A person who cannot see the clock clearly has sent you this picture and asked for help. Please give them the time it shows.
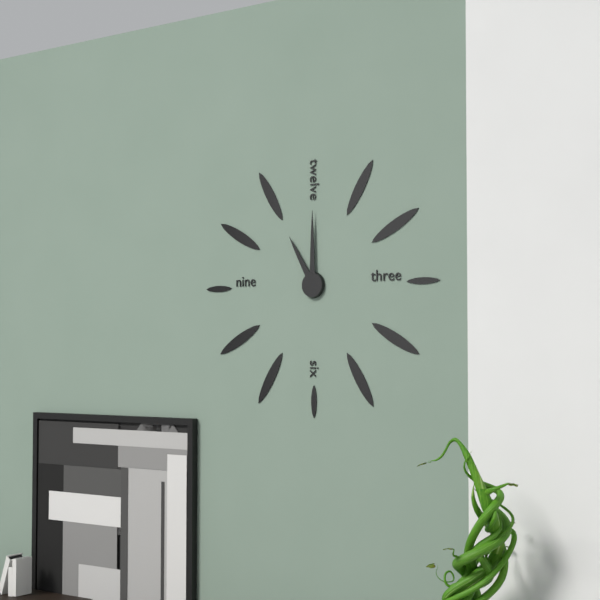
11:00
